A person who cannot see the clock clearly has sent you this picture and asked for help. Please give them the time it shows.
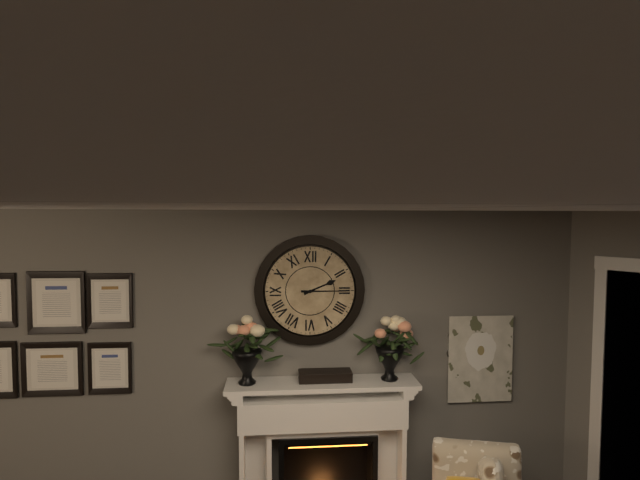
2:15
